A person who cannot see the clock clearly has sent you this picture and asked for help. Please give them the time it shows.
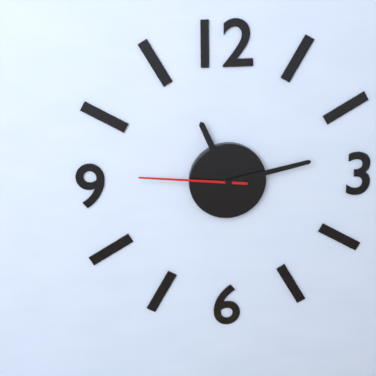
11:13:46
